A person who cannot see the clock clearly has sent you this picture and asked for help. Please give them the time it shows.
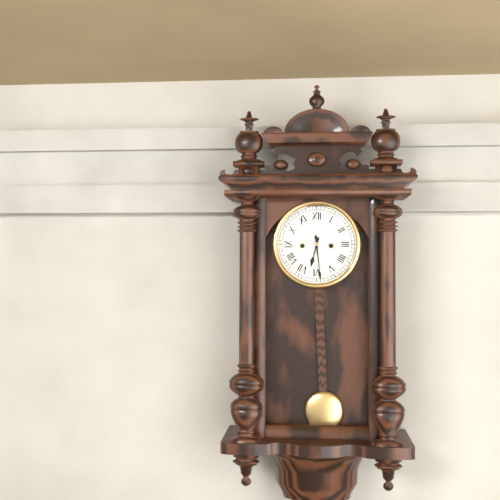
6:29
